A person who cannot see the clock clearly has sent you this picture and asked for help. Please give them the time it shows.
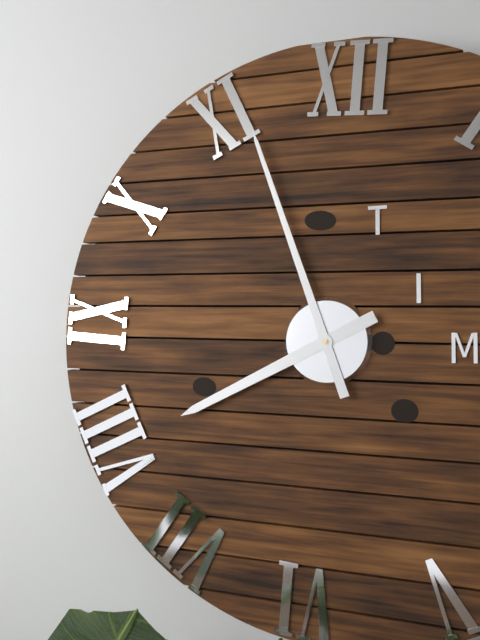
7:56
